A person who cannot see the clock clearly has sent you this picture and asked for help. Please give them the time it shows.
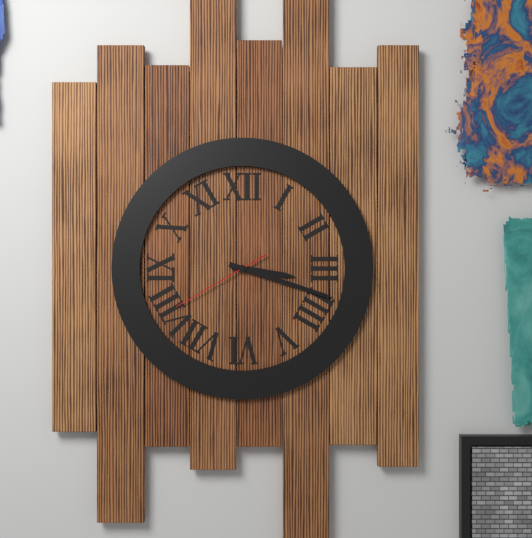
3:18:40
